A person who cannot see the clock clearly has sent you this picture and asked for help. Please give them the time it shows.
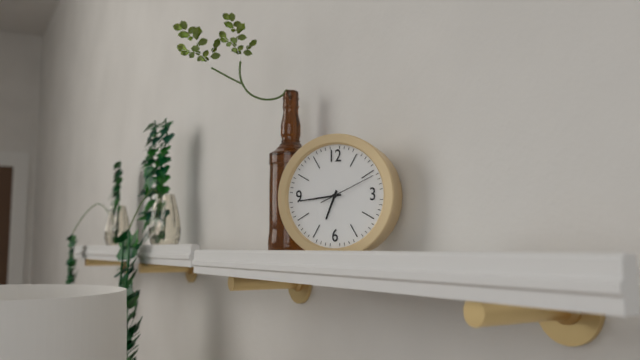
6:44:11
